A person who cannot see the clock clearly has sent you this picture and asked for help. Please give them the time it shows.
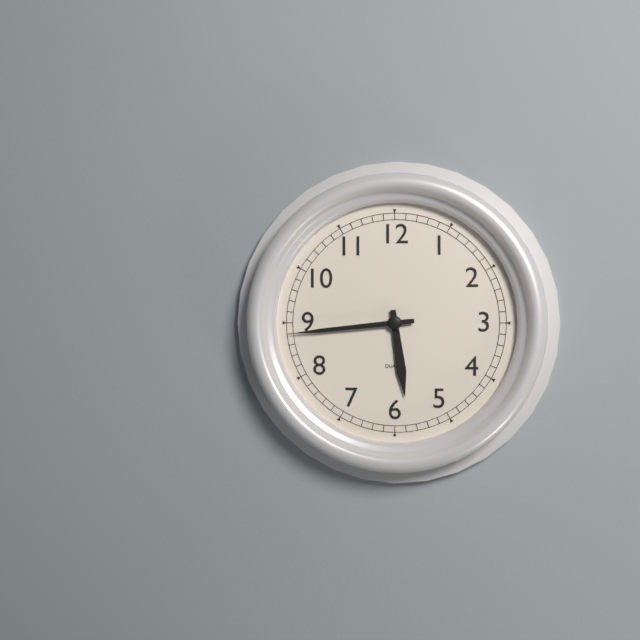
5:44
